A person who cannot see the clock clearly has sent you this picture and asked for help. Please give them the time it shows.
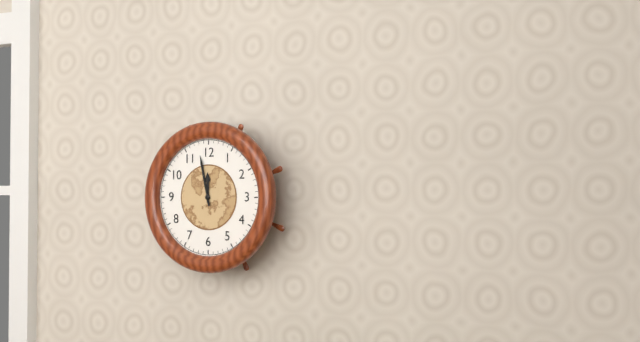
11:58
